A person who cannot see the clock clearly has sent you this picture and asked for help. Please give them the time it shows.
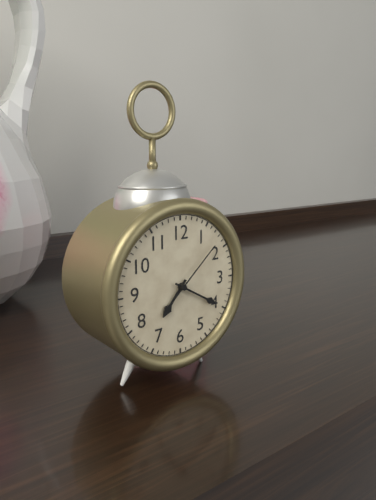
7:20:08
